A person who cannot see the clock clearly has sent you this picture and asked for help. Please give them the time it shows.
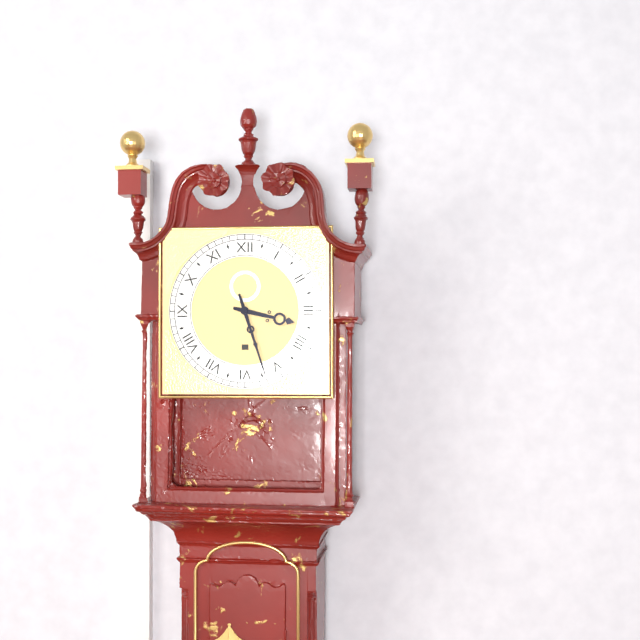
3:27
